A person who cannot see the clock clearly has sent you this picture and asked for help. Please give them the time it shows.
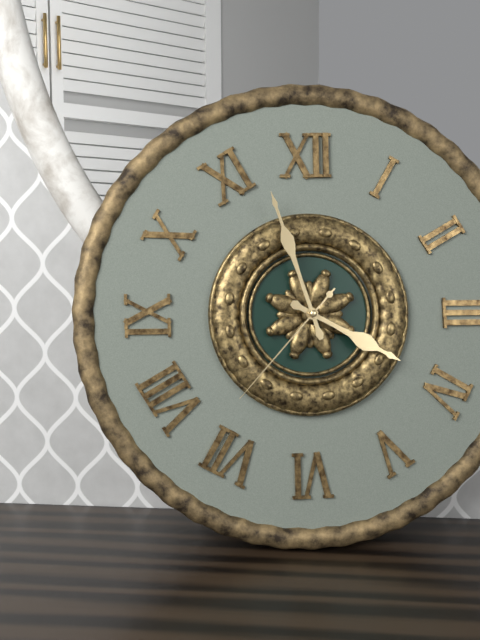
3:57:37
